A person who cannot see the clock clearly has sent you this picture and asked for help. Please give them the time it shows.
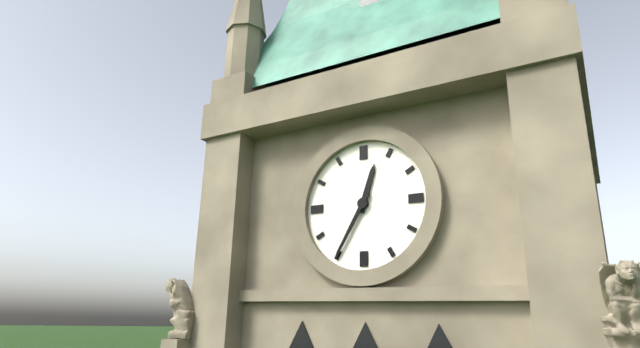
12:35
